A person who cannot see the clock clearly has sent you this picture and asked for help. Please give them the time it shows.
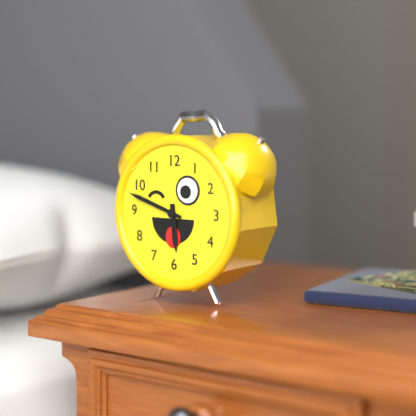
5:48
